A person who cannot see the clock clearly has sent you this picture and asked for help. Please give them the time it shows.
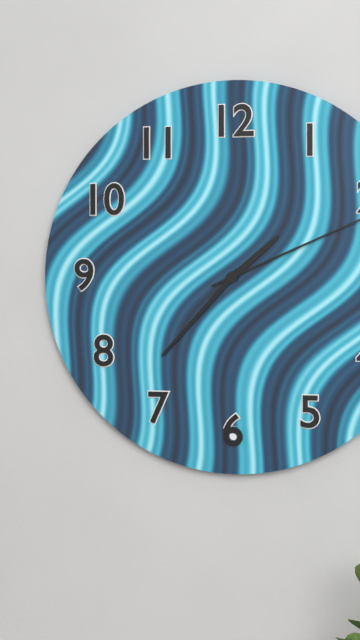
1:37
